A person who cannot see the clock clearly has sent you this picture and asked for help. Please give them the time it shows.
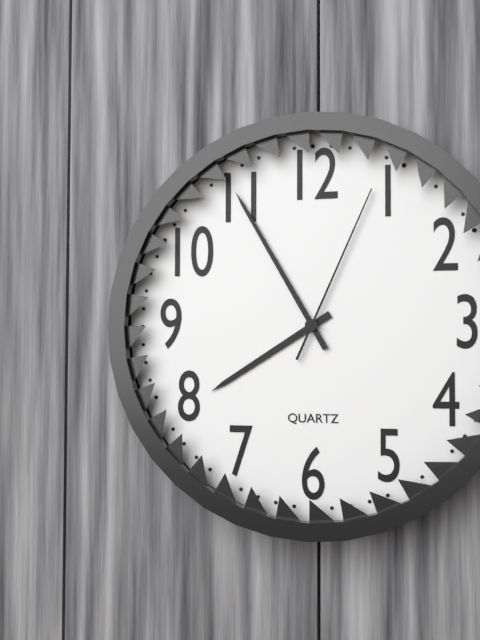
7:55:04
